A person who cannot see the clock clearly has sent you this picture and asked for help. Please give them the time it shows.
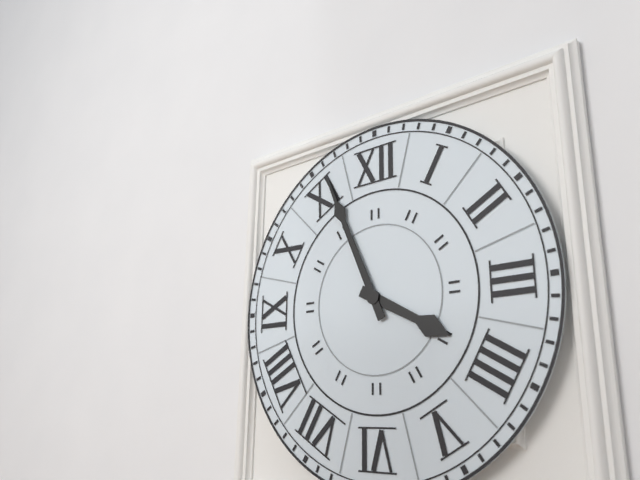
3:56
